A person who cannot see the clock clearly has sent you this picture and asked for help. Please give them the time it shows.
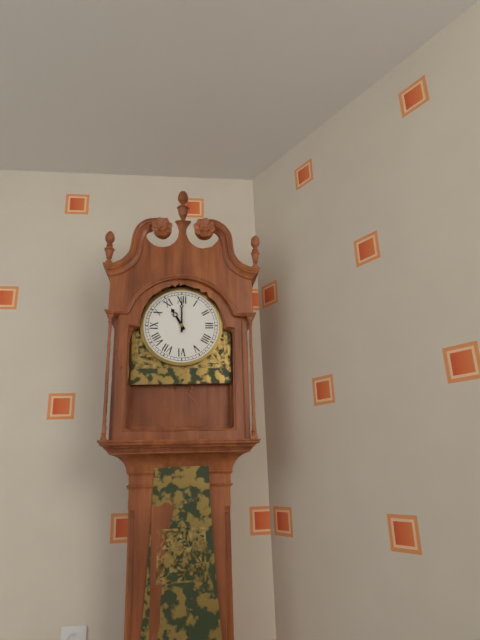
11:00
